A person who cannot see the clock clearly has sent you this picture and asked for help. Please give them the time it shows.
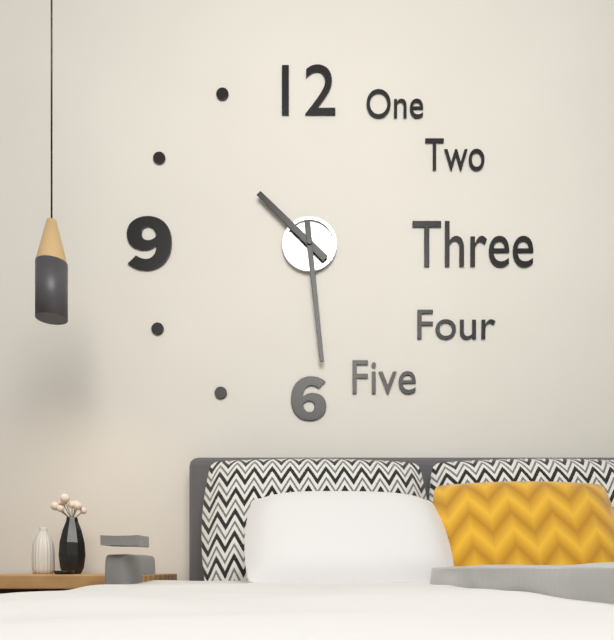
10:29
